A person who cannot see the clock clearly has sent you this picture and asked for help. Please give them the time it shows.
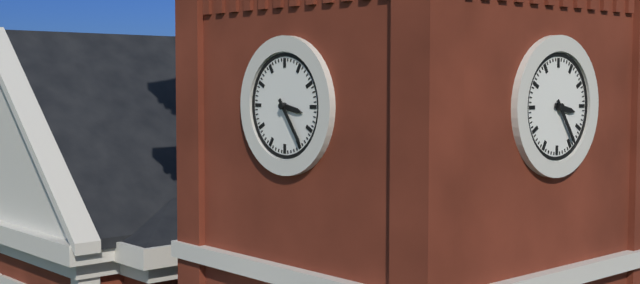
3:24
